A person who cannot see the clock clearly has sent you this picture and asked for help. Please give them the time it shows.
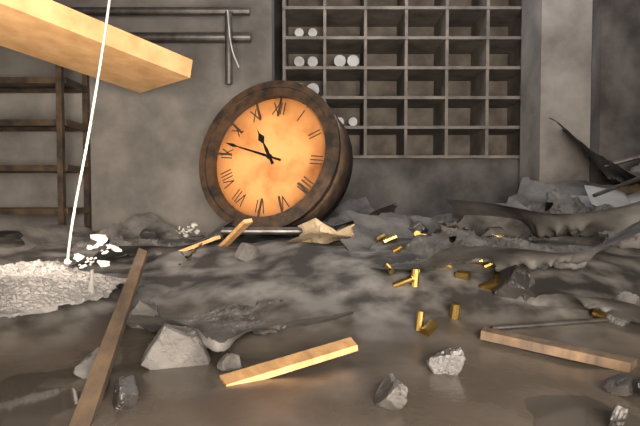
10:47
